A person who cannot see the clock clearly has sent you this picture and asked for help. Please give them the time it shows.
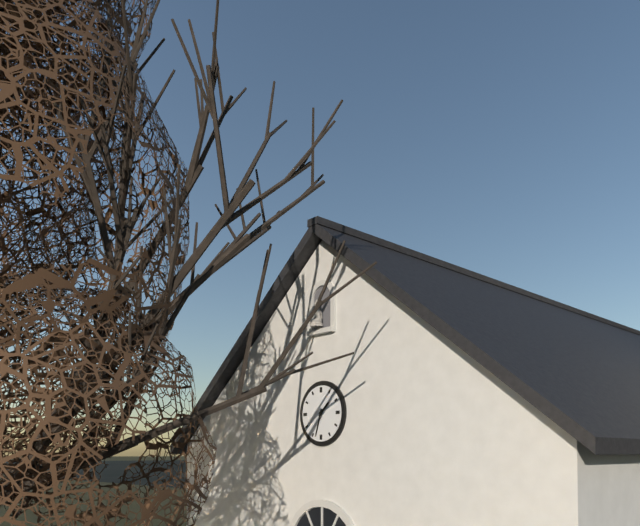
1:33
